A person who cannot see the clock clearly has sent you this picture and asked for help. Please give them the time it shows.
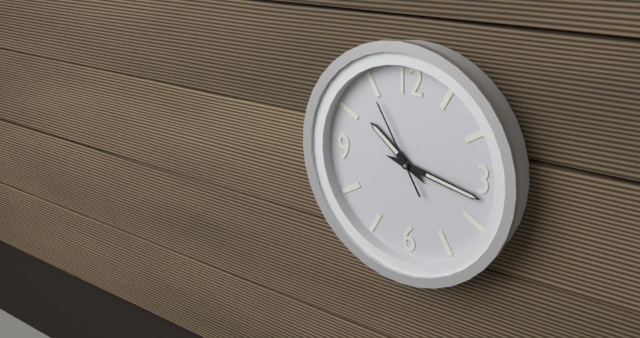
10:17:55
